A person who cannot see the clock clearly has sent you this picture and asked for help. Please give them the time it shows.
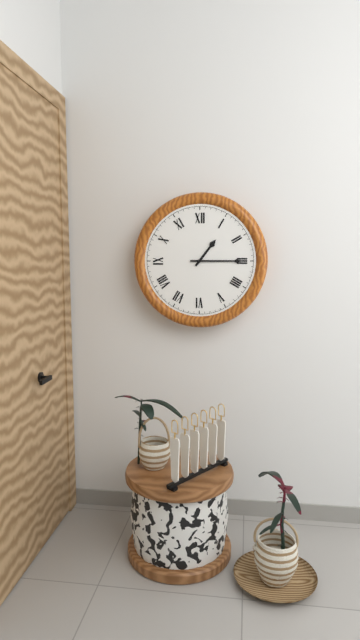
1:15
